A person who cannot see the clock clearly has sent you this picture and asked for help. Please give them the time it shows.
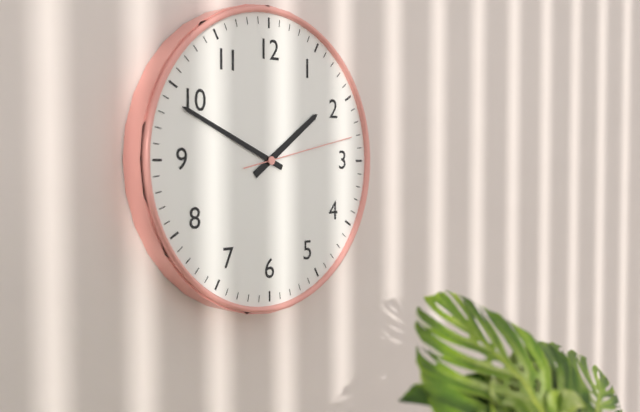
1:49:13
